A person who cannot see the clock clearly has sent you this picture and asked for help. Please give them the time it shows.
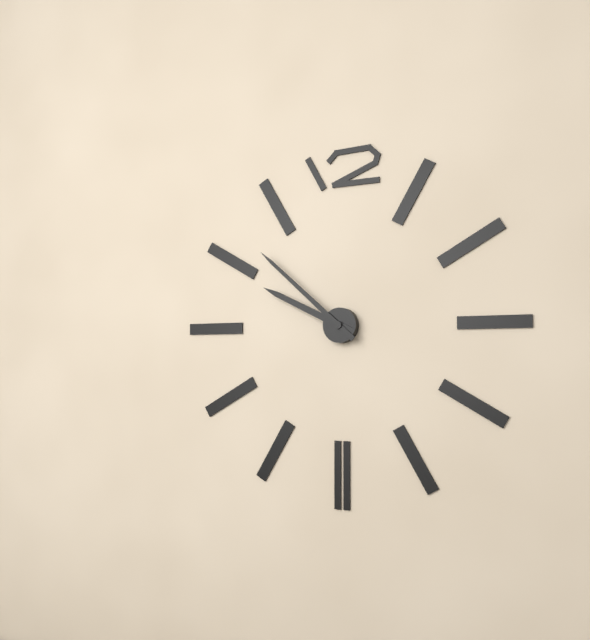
9:52
